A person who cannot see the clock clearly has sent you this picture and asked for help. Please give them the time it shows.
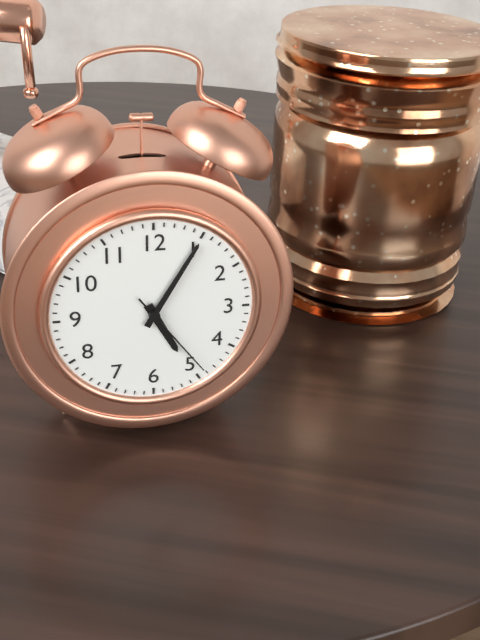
5:05:24
